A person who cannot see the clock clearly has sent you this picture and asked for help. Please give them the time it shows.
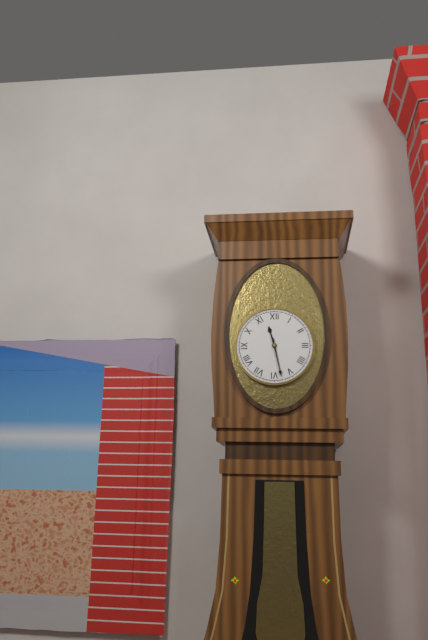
11:28
